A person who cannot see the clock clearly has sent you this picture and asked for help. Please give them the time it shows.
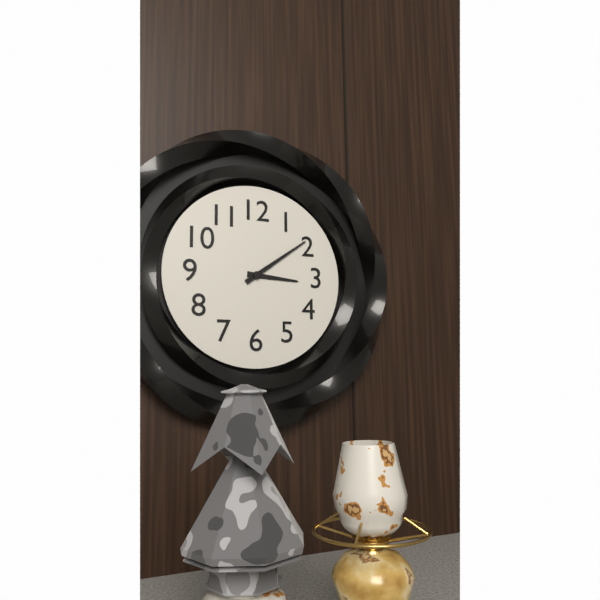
3:09
